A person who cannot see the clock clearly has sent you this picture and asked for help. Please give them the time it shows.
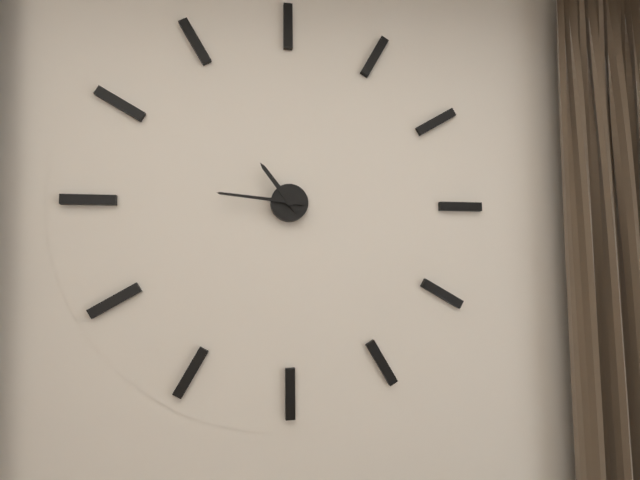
10:46
